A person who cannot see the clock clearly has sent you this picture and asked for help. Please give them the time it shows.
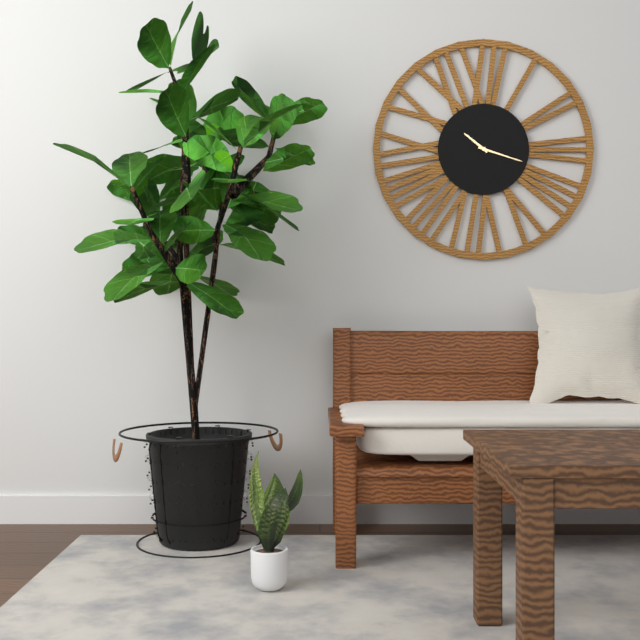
10:18
